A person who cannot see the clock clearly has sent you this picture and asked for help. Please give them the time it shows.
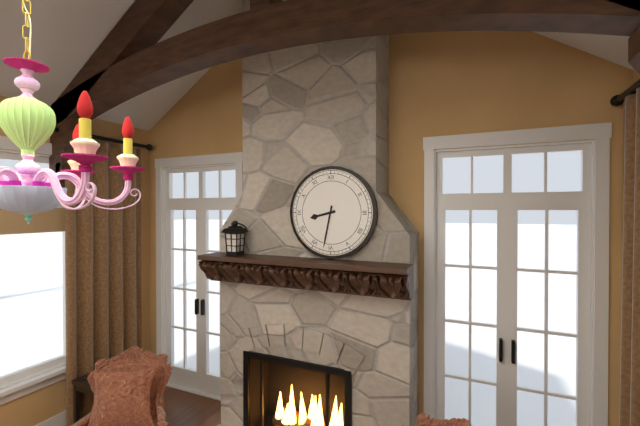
8:32
